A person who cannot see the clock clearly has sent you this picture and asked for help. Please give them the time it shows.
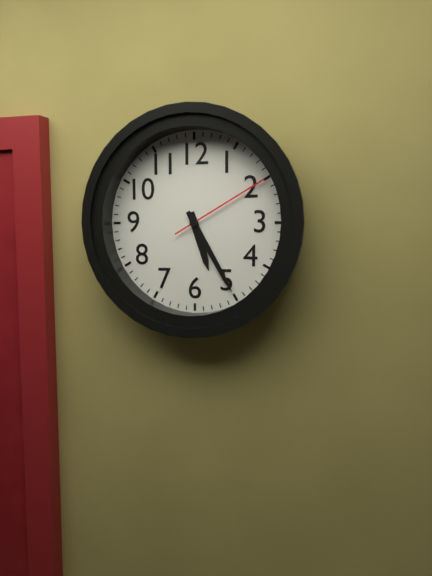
5:25:10
